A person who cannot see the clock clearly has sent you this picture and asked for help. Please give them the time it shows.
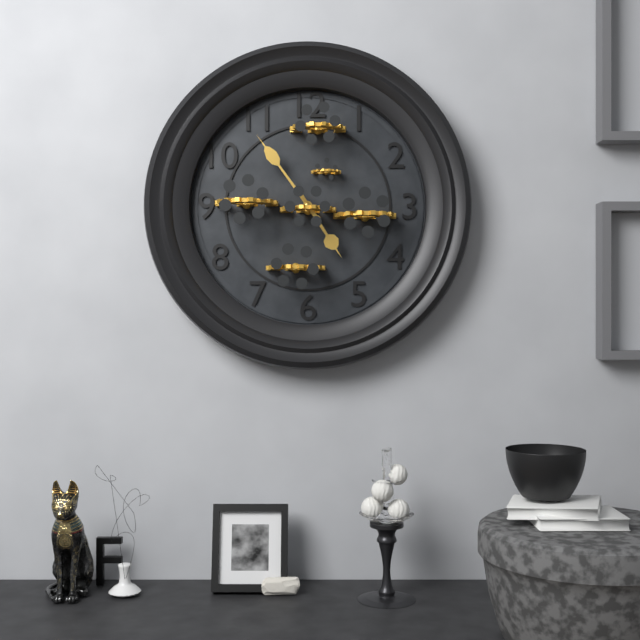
4:54
